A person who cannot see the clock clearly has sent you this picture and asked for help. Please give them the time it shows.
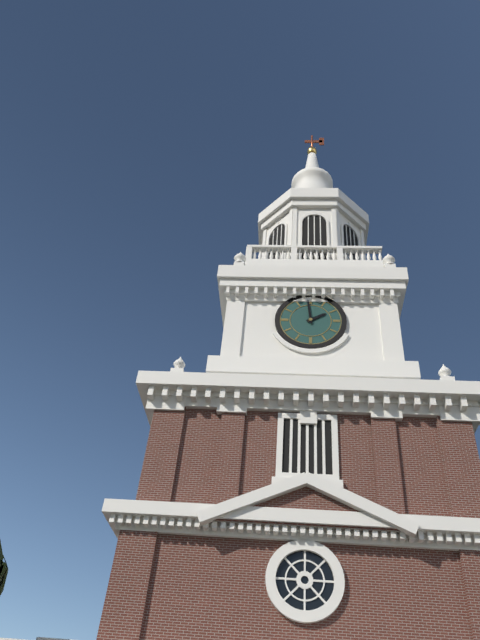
1:59
